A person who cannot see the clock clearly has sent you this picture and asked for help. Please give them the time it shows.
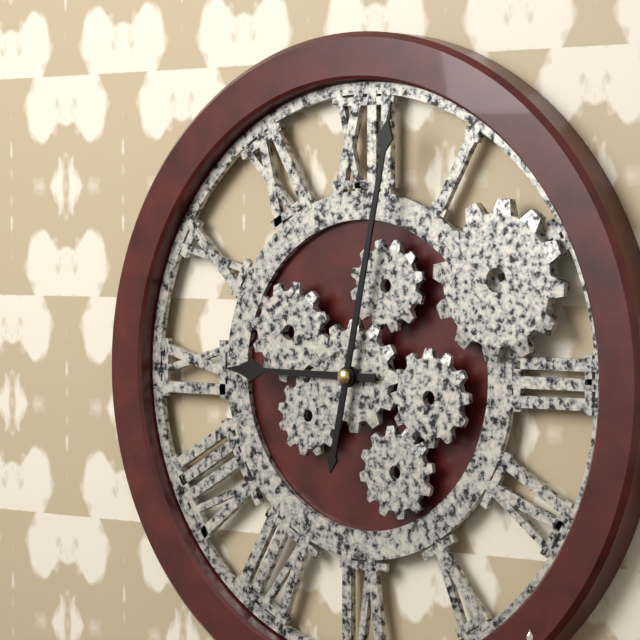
9:02
